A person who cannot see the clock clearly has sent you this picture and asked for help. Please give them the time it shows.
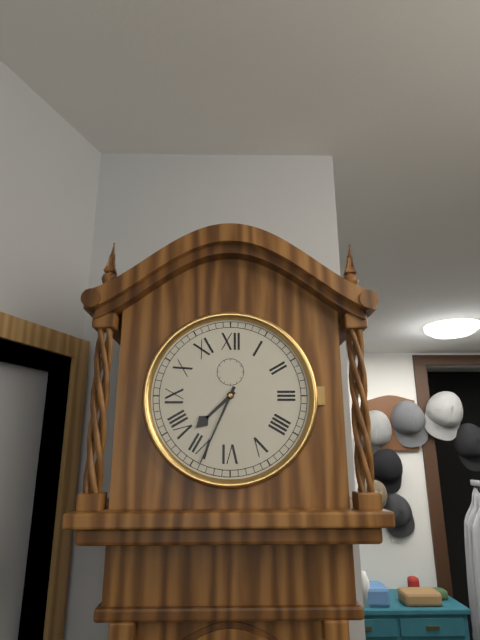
7:34
